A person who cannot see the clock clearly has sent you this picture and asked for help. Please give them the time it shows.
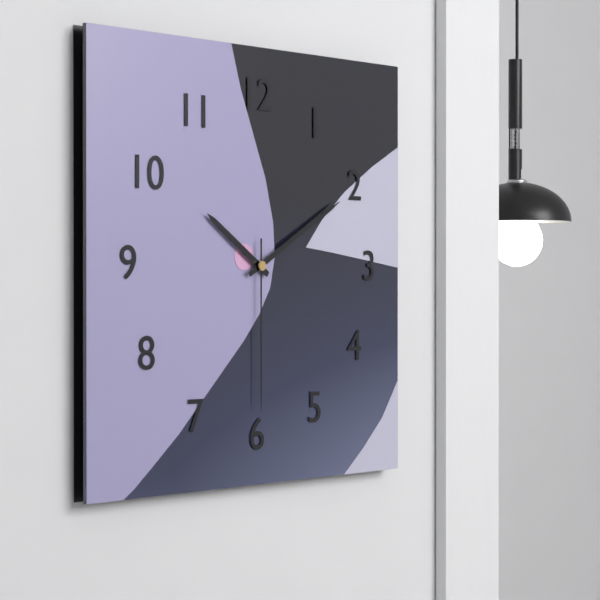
10:10:30
